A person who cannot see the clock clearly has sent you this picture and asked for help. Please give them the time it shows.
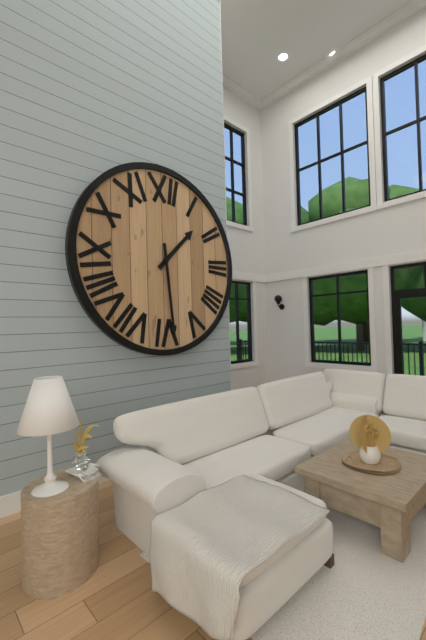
1:29
